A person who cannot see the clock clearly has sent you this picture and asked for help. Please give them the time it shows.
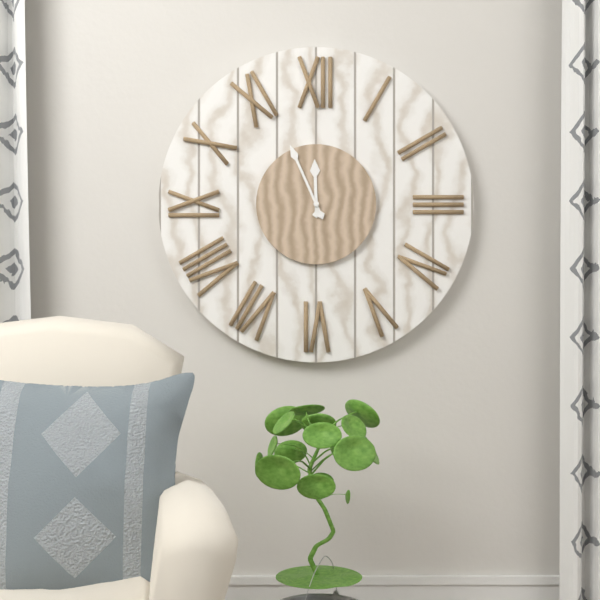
11:56
